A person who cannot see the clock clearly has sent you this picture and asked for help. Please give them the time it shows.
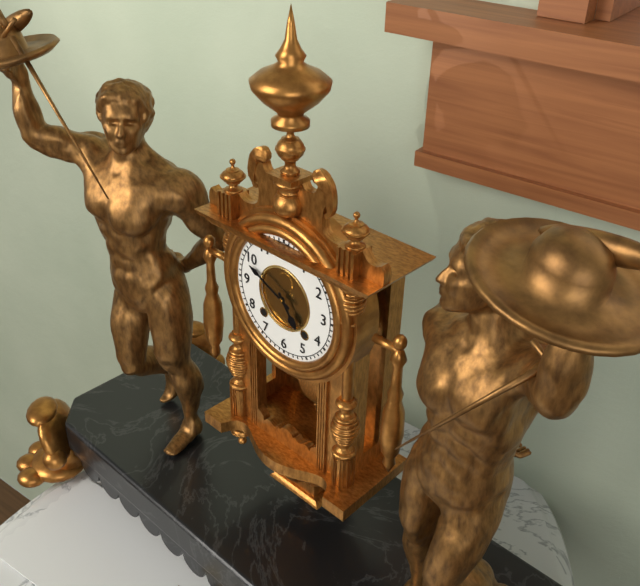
4:49
